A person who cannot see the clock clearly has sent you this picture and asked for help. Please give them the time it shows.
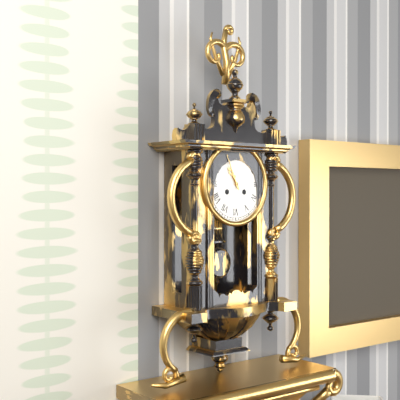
10:56
